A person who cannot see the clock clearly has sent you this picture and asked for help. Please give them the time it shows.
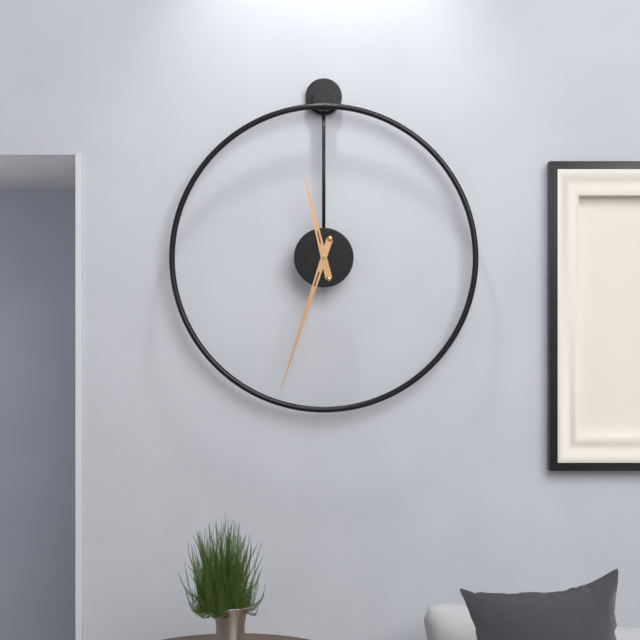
11:33
